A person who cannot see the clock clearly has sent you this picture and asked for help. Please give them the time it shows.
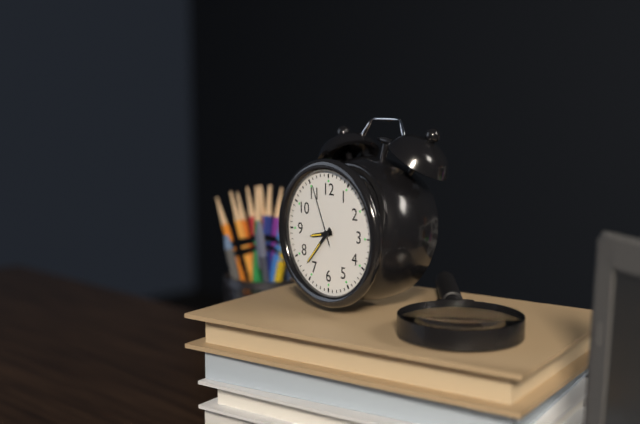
8:37:56
